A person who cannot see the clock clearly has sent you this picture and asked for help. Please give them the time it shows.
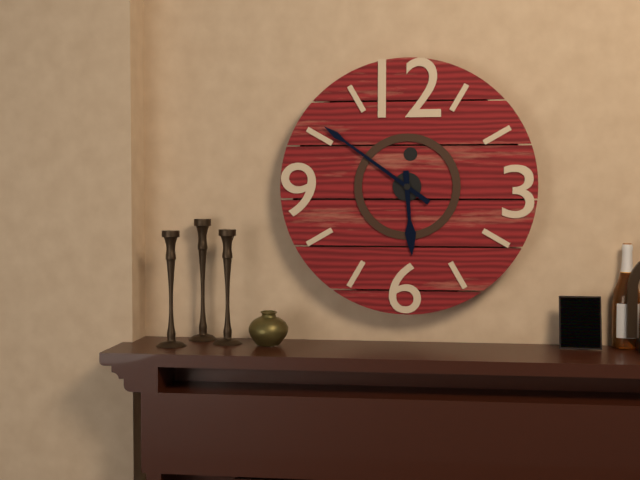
5:51
